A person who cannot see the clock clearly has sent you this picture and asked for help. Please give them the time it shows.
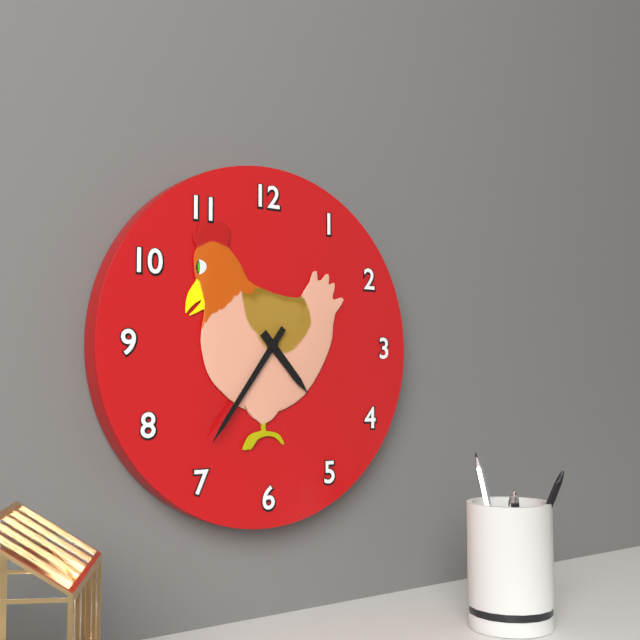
4:36
